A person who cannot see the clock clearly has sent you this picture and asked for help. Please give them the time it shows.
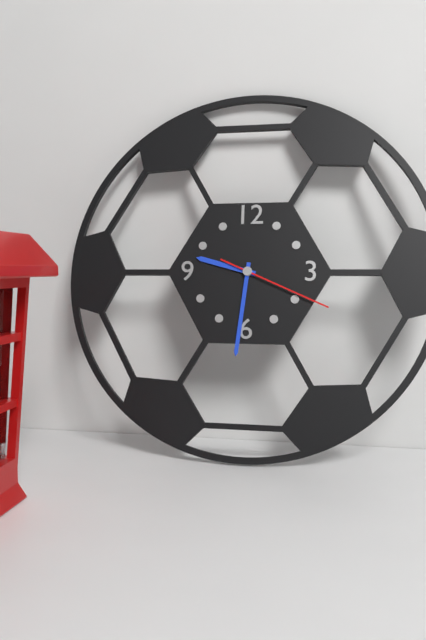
9:31:19
